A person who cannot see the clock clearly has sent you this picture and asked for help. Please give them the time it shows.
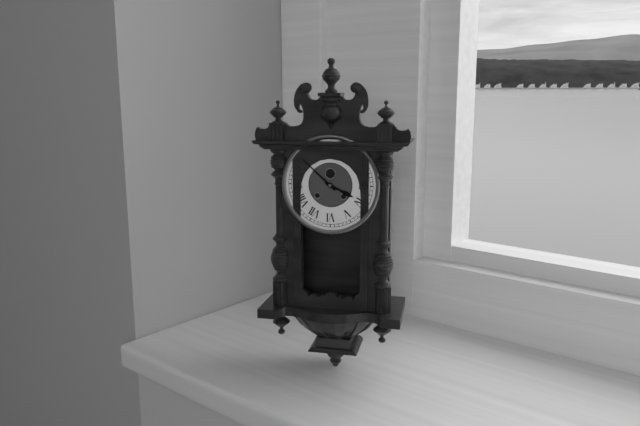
3:52
